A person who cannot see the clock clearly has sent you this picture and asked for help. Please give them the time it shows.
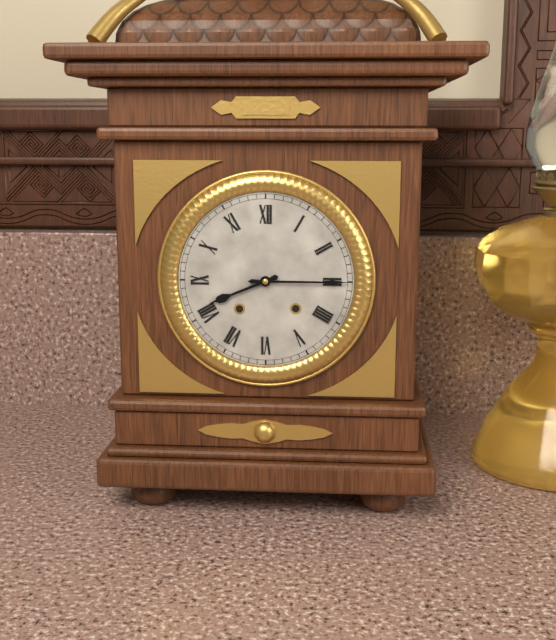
8:15
